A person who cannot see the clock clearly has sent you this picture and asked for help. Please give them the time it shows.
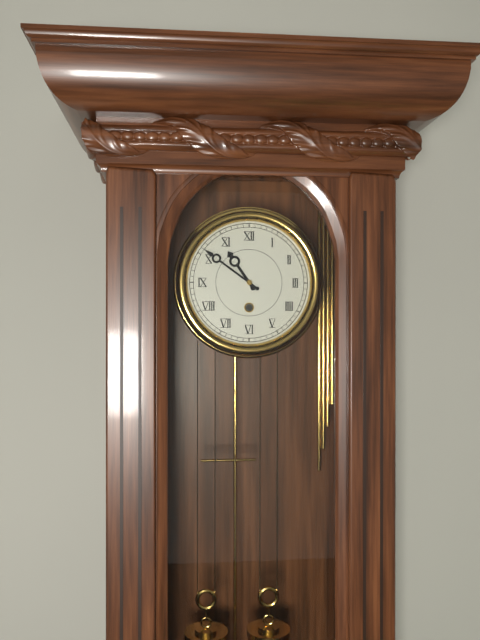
10:51
